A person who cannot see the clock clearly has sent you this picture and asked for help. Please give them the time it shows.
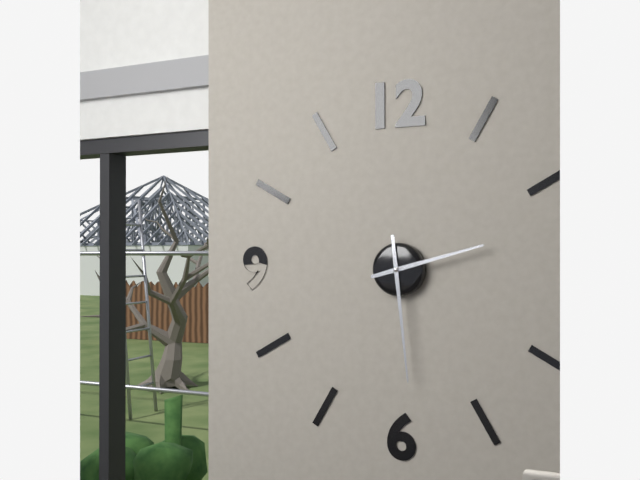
2:29
